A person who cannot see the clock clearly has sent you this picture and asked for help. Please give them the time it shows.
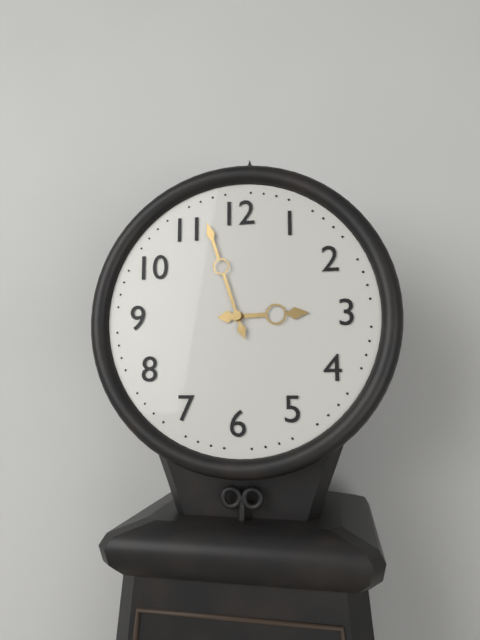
2:57
